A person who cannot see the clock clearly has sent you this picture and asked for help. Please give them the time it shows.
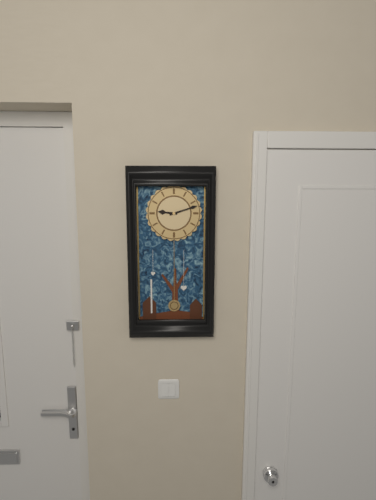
9:12
